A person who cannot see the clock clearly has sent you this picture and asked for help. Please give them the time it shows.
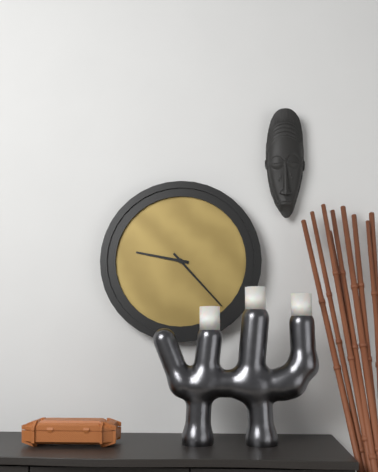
9:23
